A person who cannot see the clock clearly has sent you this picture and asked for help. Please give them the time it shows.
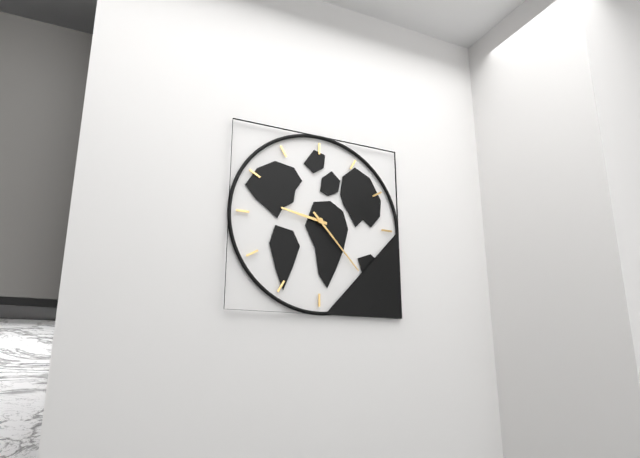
9:23
